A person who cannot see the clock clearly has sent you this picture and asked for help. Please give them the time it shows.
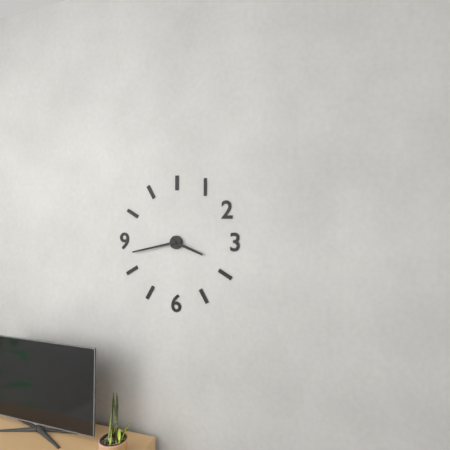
3:43
